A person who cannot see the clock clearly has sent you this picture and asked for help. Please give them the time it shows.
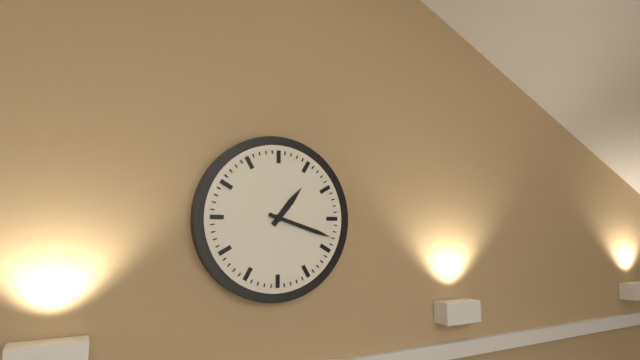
1:18
